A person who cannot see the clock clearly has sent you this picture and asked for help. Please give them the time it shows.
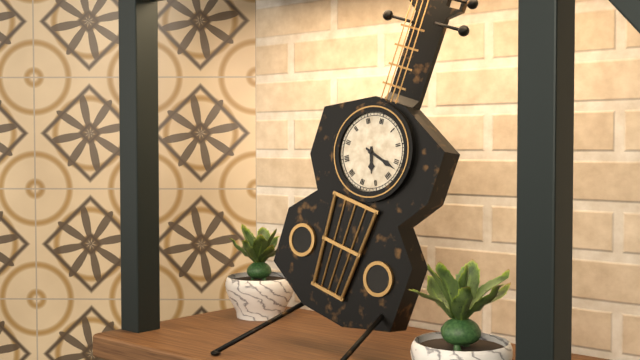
5:17
